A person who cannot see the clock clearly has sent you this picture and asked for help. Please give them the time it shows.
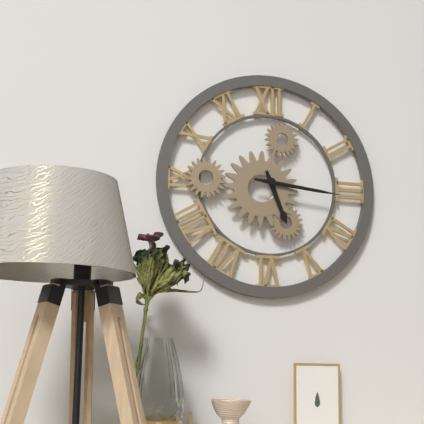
5:16
